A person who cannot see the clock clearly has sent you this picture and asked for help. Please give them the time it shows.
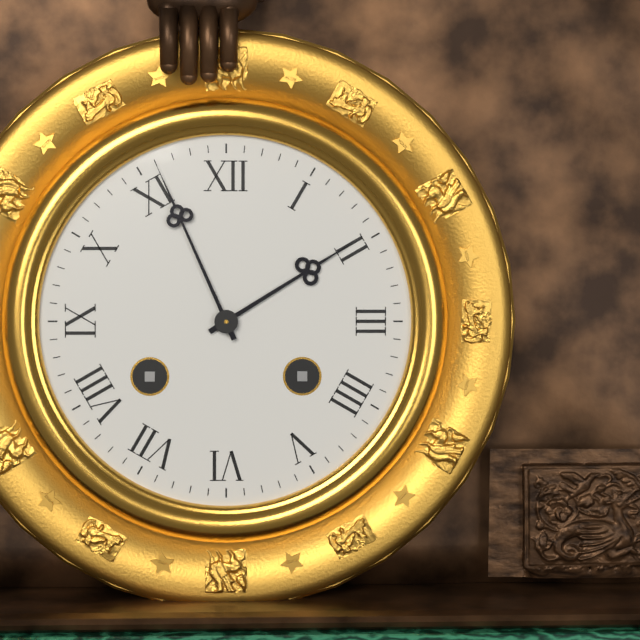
1:56
